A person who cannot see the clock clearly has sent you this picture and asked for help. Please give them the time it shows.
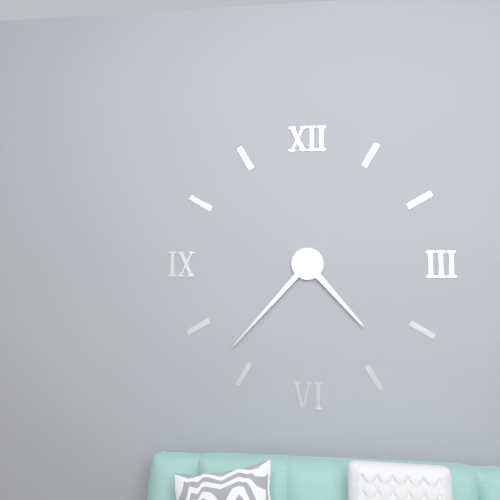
4:37
